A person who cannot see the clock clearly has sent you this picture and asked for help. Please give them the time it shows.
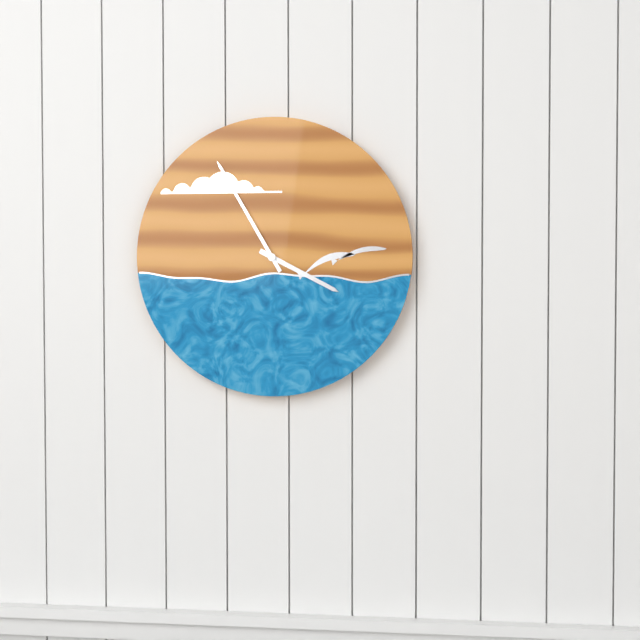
3:55
